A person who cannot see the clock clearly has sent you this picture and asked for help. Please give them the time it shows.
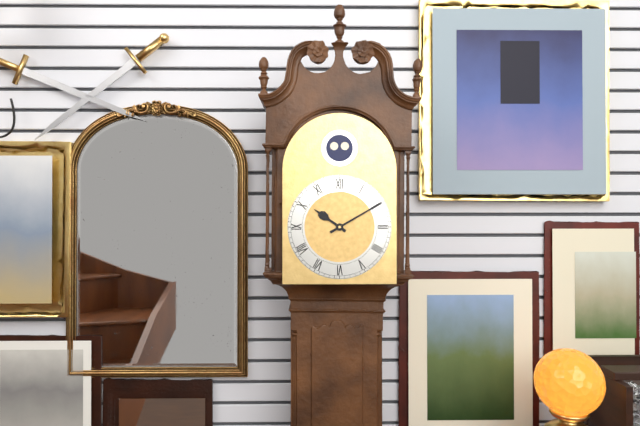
10:10
